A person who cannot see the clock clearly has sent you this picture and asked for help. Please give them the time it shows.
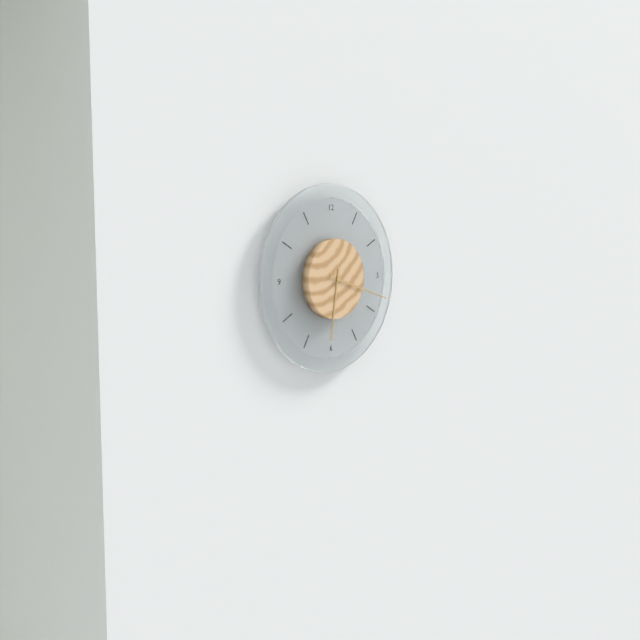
6:18
